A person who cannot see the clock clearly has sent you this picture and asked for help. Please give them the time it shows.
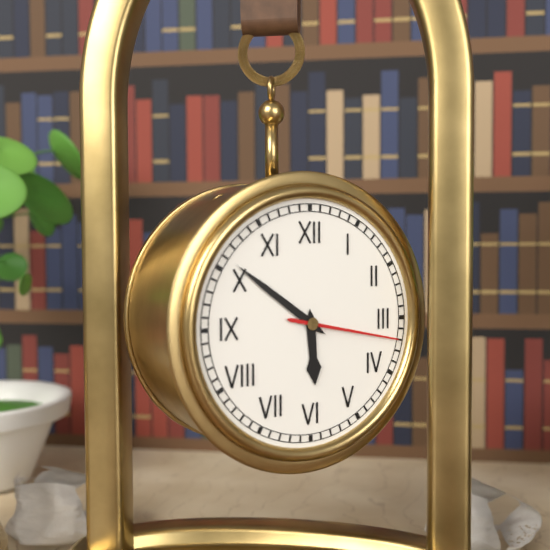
5:51:17
